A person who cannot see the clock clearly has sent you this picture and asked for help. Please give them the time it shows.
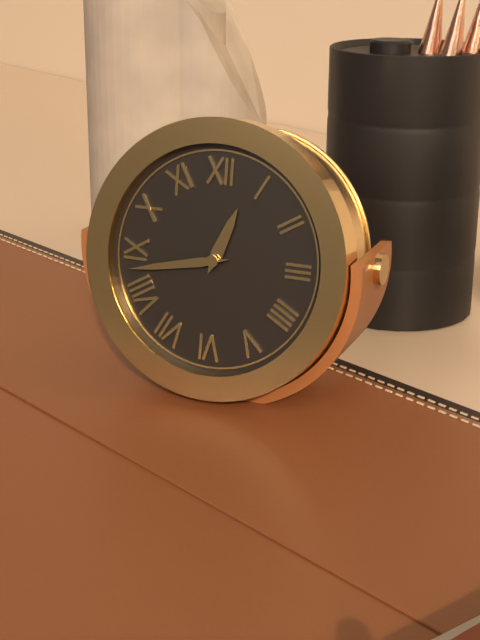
12:43
